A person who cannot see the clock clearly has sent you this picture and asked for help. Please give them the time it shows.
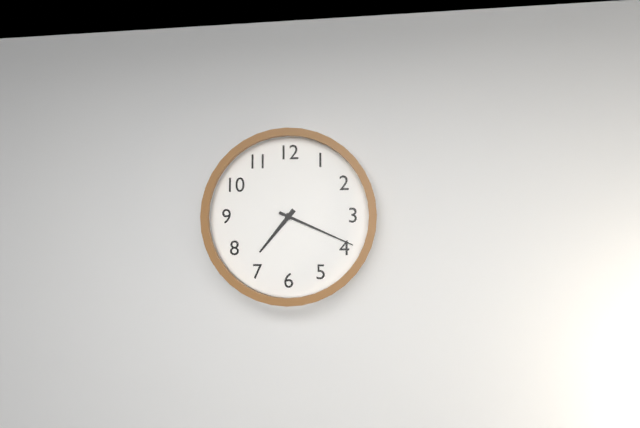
7:19
